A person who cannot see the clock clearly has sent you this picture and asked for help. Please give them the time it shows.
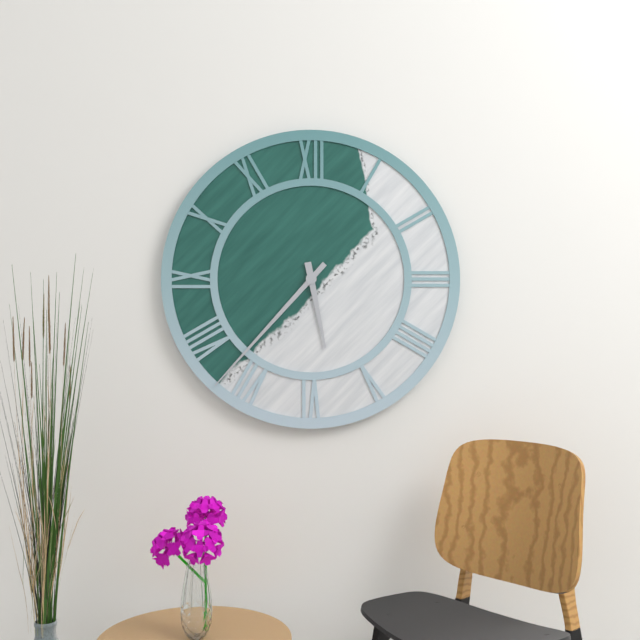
5:37
